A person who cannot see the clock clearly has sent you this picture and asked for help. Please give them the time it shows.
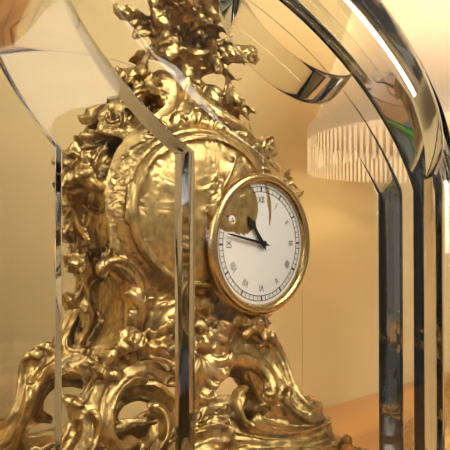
10:47
